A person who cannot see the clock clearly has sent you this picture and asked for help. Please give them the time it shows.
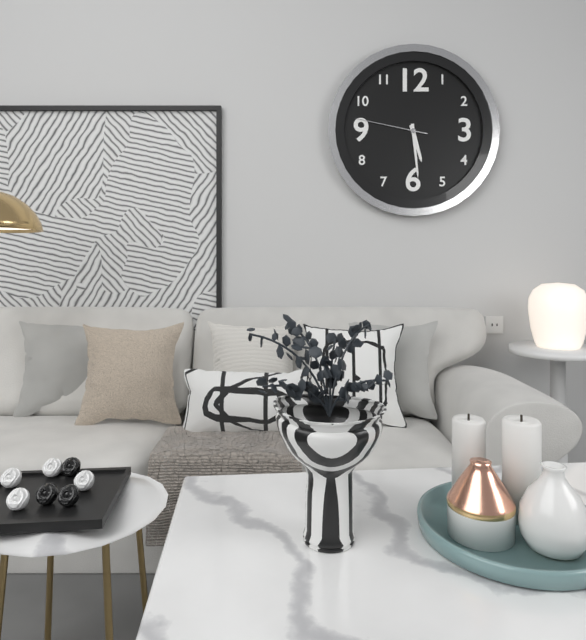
5:29:47
